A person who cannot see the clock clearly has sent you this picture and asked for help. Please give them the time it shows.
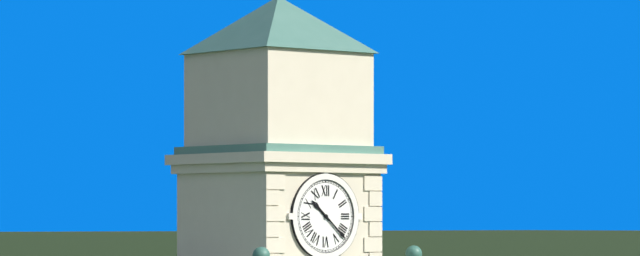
10:22
